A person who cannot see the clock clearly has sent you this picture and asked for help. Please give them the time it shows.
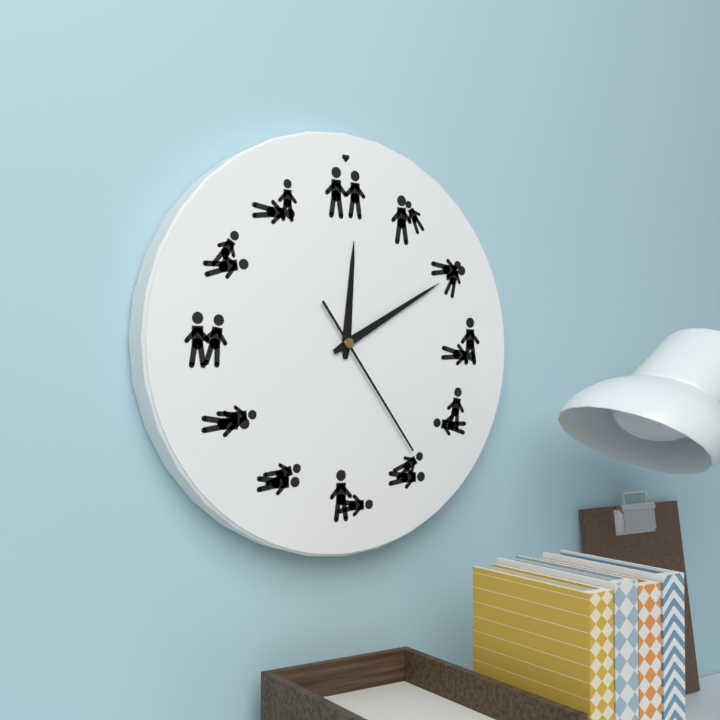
12:10:24
